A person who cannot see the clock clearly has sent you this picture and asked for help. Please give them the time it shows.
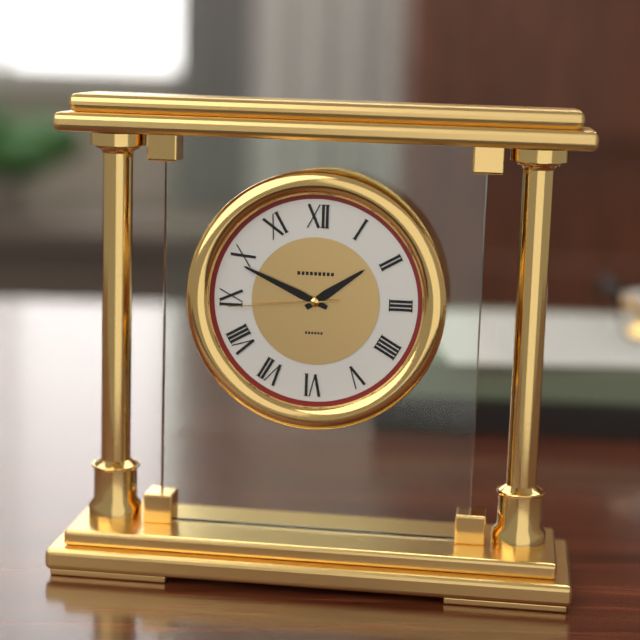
1:49:44
